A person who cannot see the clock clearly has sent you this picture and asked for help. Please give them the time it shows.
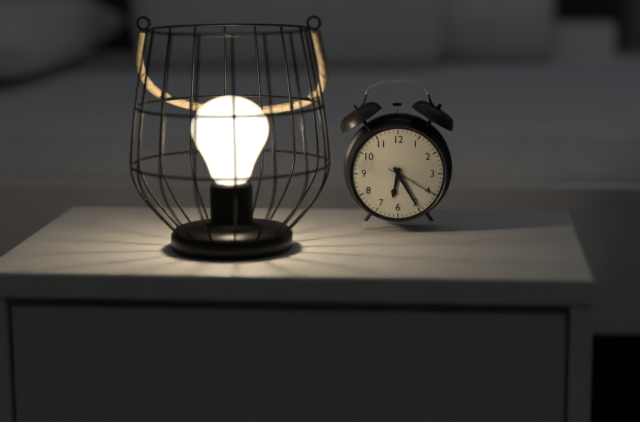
6:25:20
